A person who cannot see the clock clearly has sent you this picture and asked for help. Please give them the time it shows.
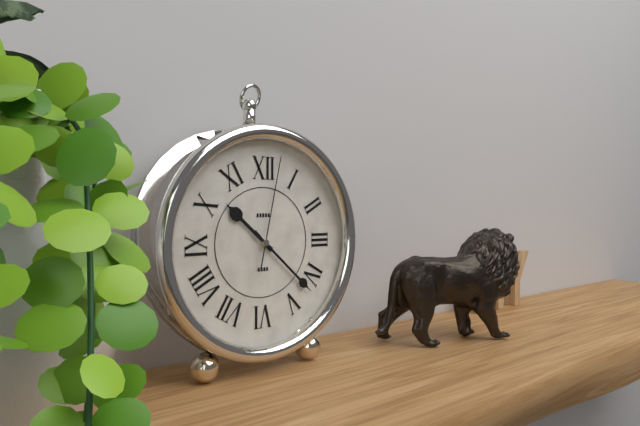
10:22:02
